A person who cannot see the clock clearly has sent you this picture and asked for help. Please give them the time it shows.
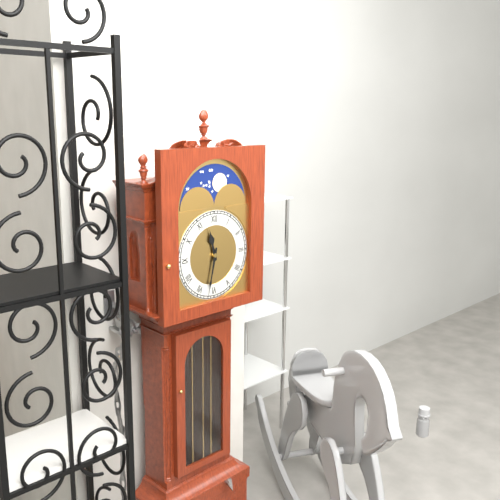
11:32
